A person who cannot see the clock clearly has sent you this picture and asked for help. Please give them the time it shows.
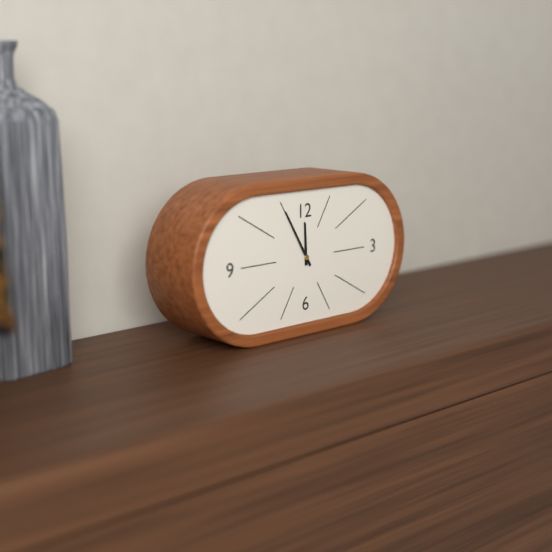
11:55
